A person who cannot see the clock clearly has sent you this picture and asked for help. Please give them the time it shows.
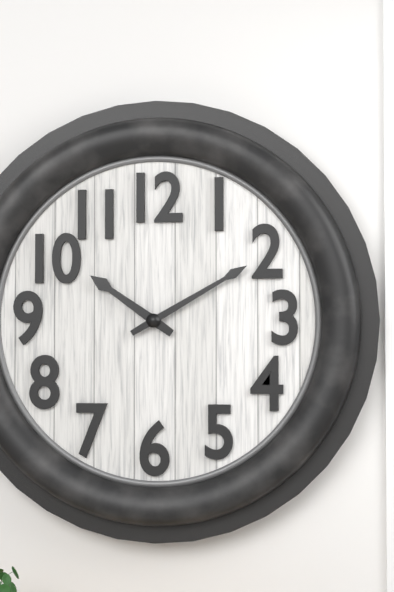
10:10
